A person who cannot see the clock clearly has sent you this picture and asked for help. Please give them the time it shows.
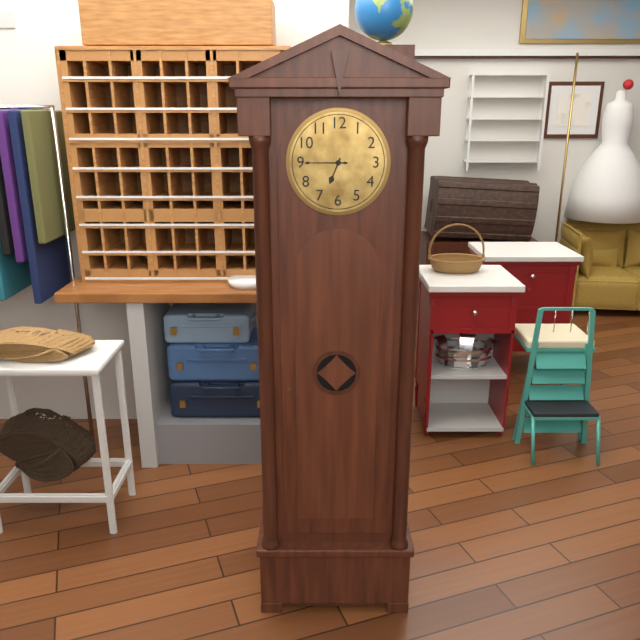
6:45
